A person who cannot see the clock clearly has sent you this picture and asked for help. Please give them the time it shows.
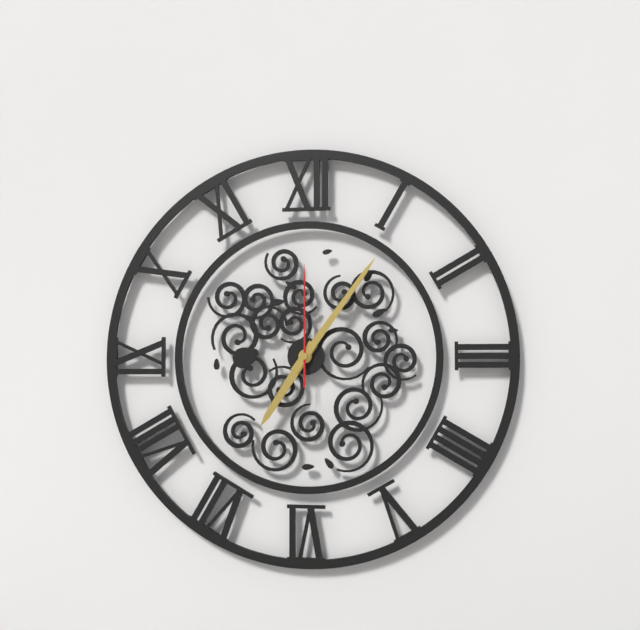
7:06:00
